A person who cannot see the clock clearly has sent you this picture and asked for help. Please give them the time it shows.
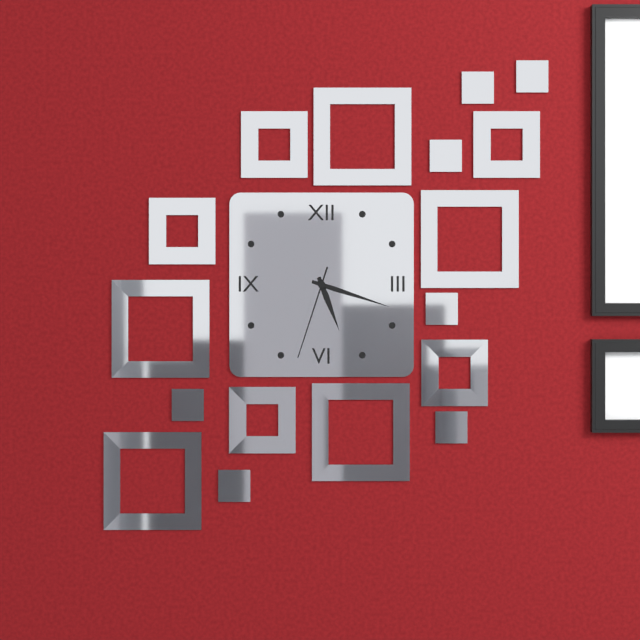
5:18:33
